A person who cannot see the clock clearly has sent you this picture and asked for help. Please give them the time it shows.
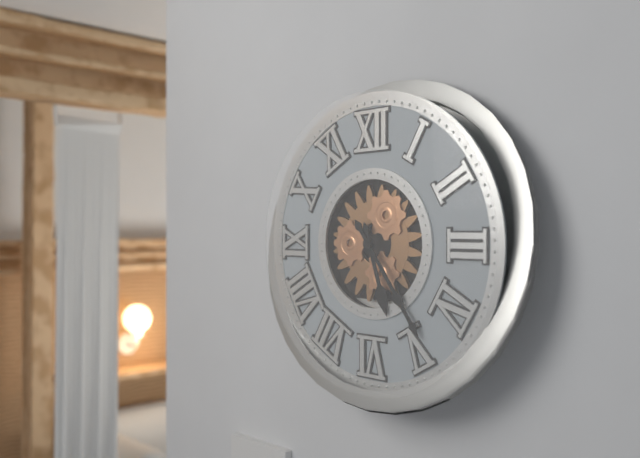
5:24
